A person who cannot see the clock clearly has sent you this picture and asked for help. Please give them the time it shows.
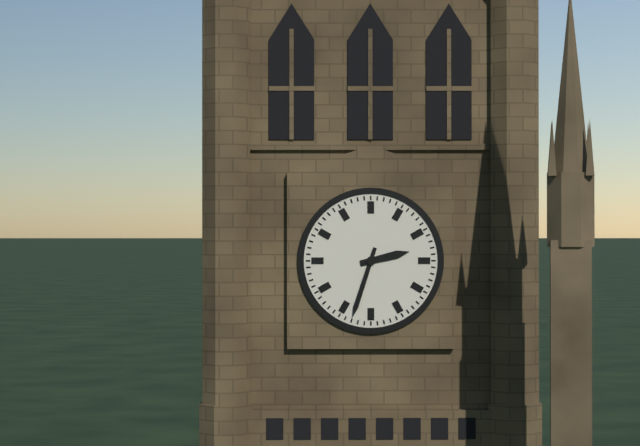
2:33
